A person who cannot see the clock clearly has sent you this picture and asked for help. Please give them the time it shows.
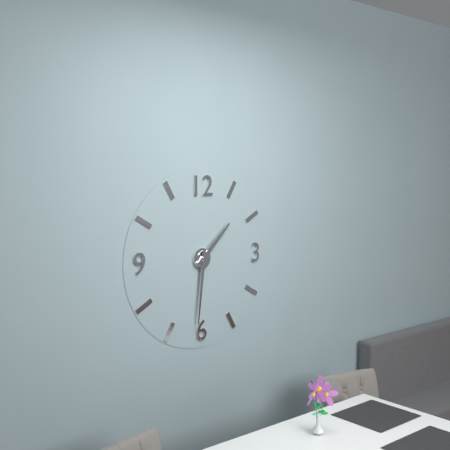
1:31
